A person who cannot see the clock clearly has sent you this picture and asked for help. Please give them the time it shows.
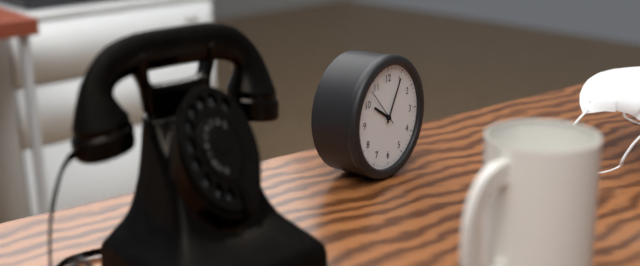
10:05
